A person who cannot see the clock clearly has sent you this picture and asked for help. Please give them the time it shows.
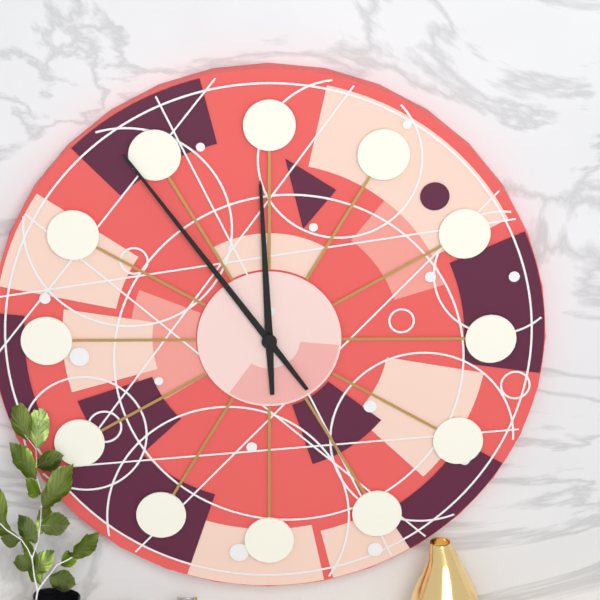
11:54
